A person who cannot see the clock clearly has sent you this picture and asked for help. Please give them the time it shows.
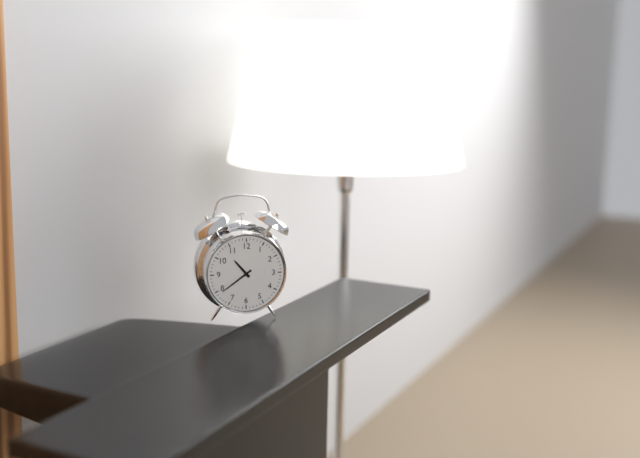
10:39
